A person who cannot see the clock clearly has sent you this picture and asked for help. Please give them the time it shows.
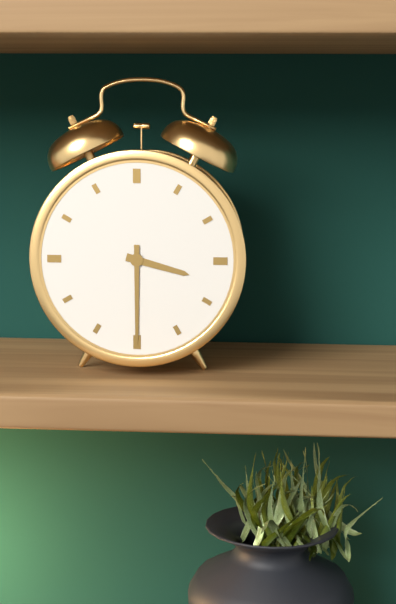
3:30
